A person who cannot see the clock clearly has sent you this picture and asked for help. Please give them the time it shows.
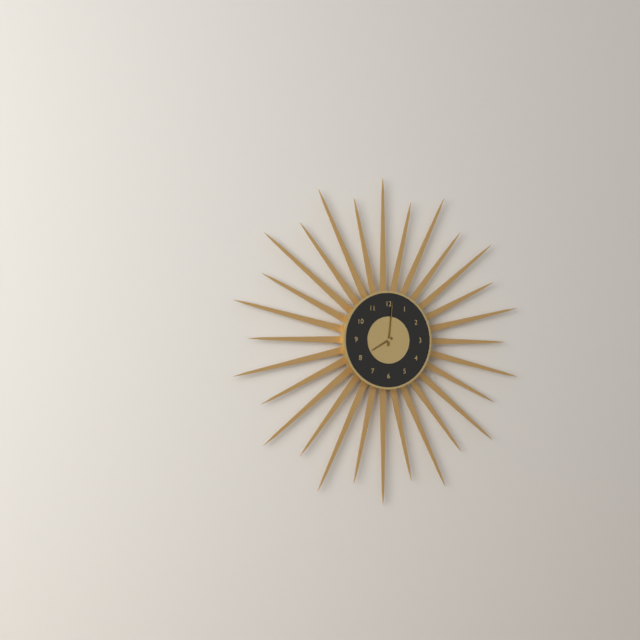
8:01
